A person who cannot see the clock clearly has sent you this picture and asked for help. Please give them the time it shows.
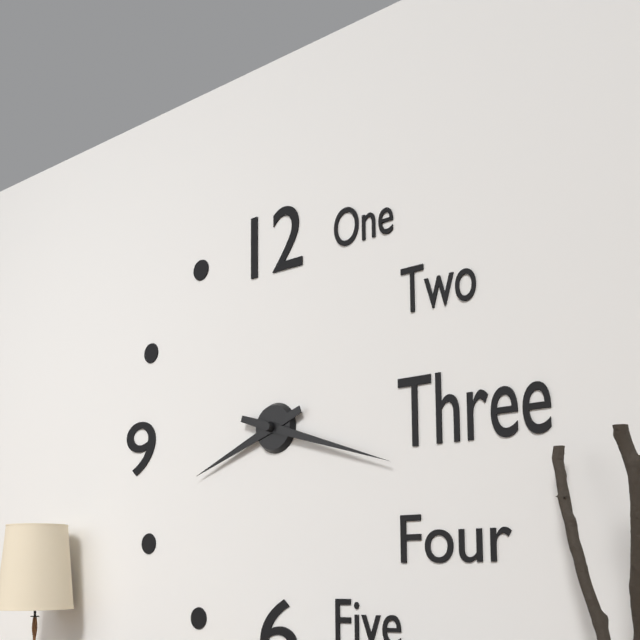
8:18
